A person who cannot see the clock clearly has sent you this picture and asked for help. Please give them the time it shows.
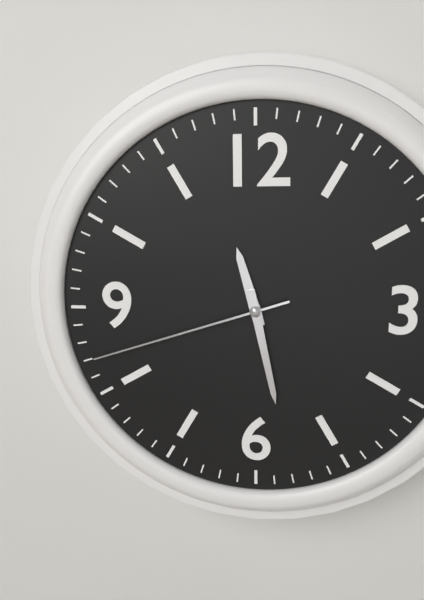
11:28:42
